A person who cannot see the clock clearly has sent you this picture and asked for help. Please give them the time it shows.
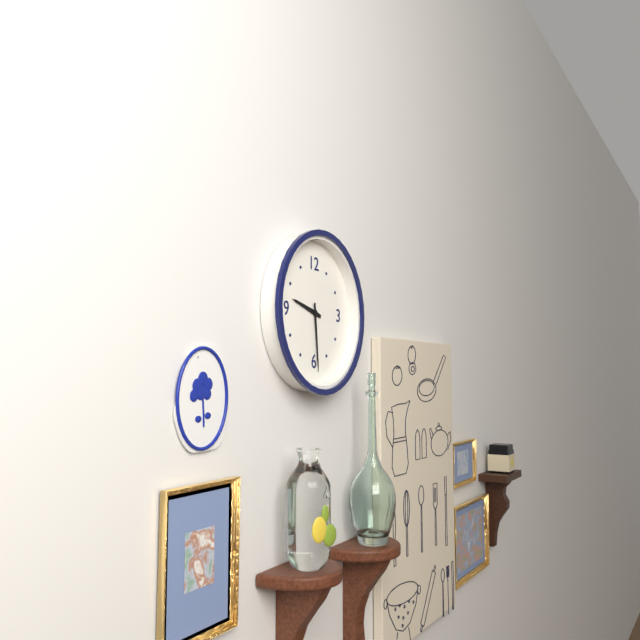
9:29
